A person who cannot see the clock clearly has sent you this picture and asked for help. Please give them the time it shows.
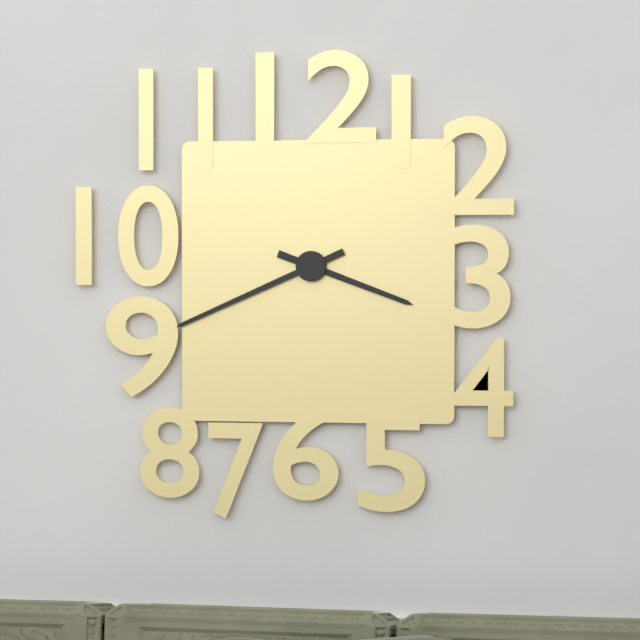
3:41
